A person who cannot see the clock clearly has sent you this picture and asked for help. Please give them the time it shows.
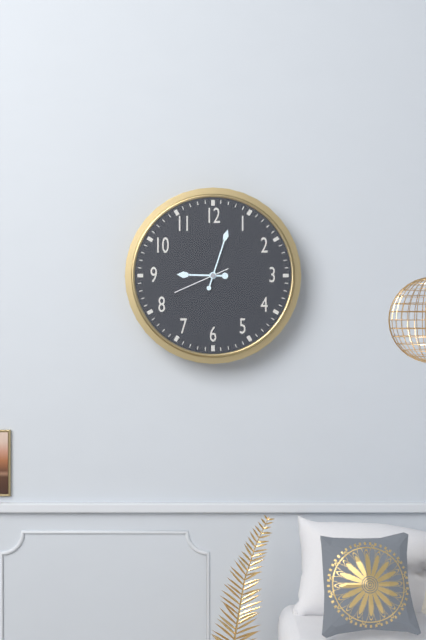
9:03:41
